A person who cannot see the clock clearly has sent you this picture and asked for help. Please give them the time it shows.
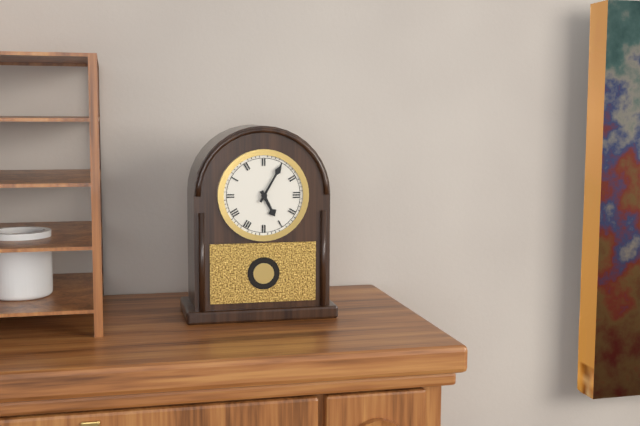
5:05
